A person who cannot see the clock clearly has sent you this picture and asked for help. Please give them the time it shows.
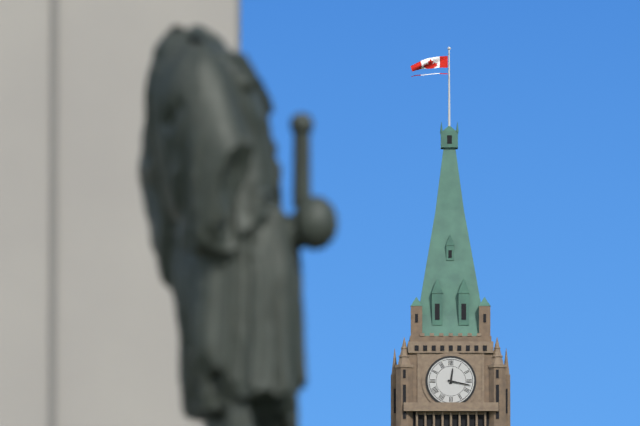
12:17
